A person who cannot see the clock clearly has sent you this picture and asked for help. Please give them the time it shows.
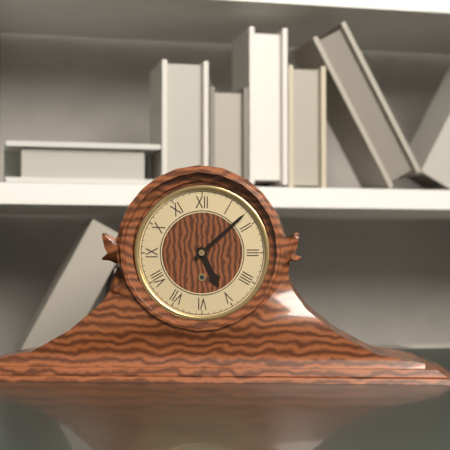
5:08
